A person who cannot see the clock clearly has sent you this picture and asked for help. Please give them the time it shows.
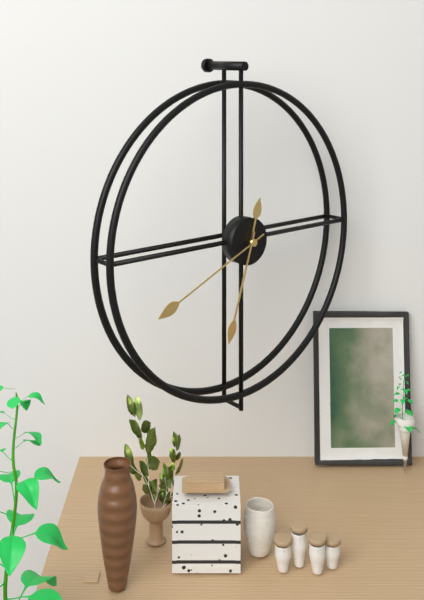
12:33:41
